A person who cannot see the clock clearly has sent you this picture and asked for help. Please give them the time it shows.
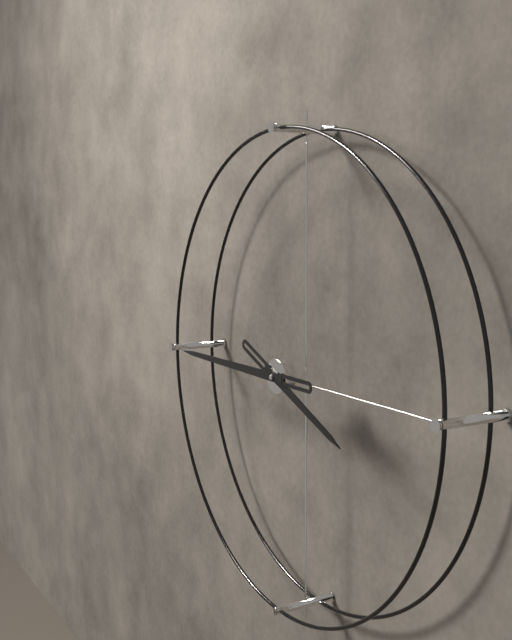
3:45
